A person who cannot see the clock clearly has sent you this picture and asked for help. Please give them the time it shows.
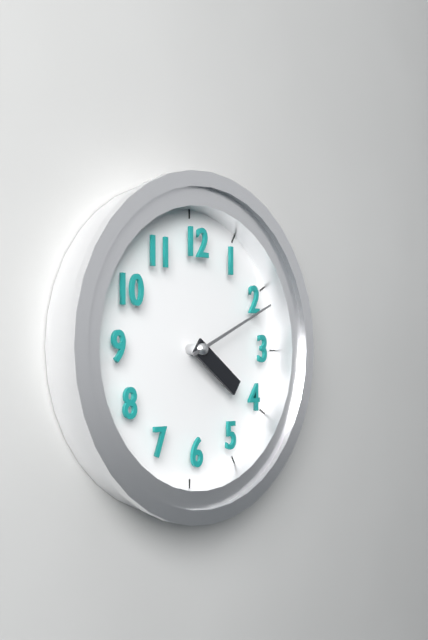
4:11
